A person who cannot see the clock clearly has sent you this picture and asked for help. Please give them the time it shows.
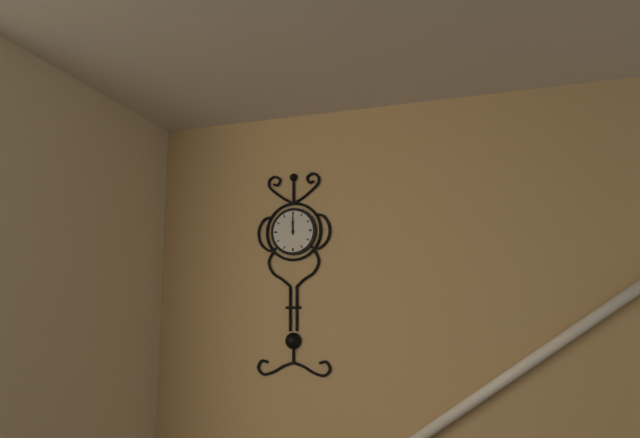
12:00
